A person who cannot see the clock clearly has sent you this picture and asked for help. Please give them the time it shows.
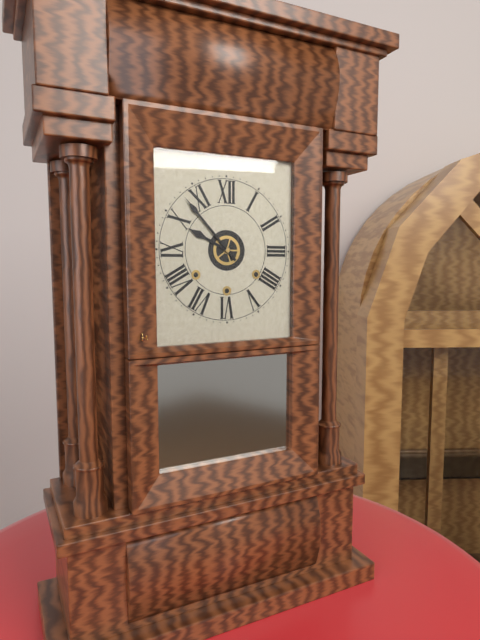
9:53
